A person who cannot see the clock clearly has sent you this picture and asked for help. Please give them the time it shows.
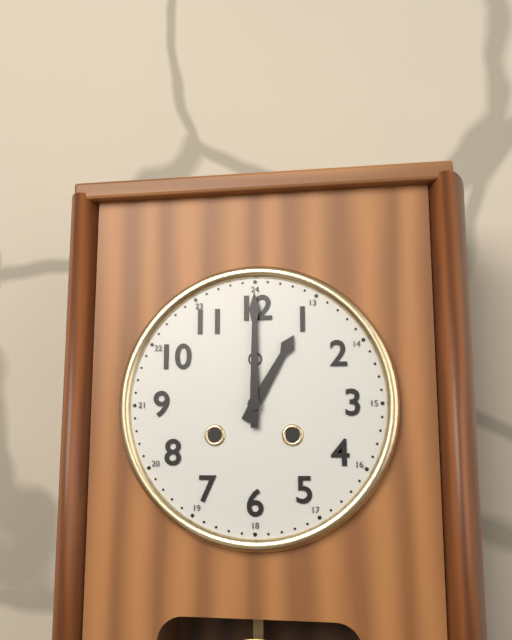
1:00
